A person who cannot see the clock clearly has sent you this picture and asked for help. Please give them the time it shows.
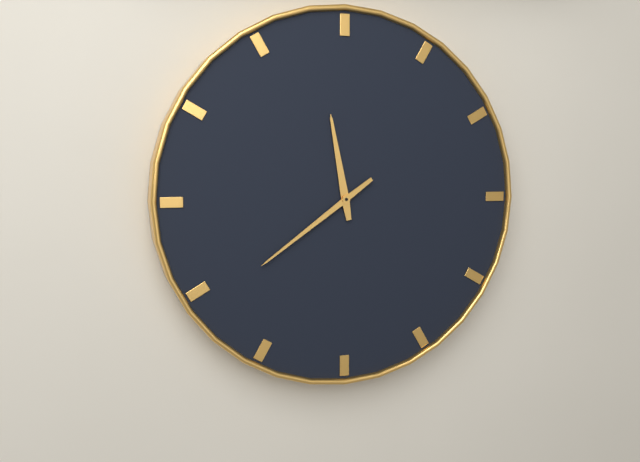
11:39
